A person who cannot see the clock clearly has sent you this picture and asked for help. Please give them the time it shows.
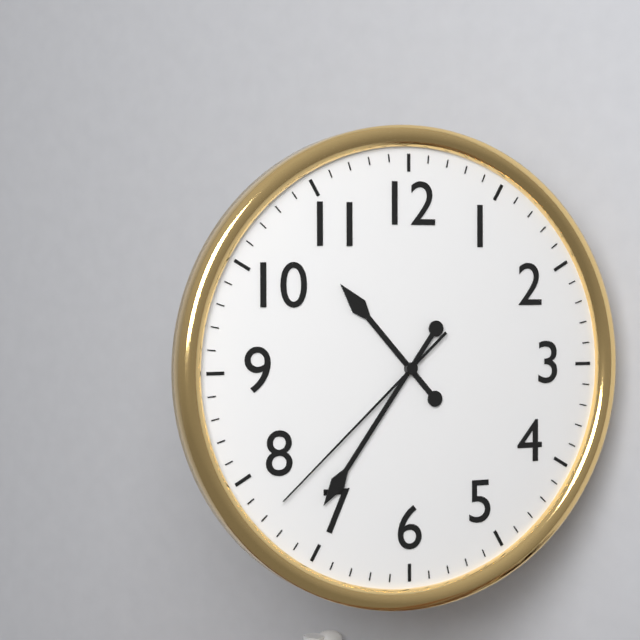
10:36:38
